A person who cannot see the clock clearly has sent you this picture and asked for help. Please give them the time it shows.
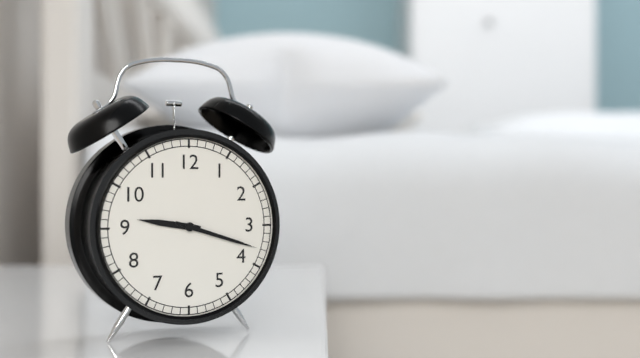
9:18
